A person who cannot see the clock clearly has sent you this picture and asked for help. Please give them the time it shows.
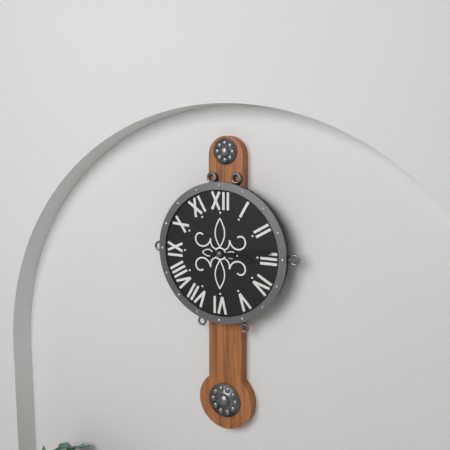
3:14
